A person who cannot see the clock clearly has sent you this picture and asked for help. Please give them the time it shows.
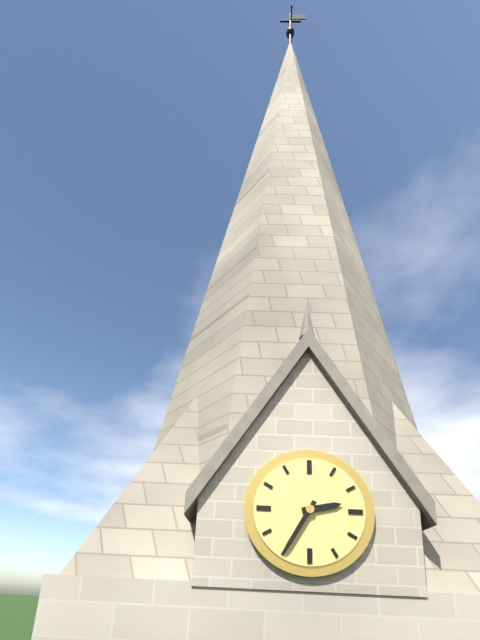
2:35
